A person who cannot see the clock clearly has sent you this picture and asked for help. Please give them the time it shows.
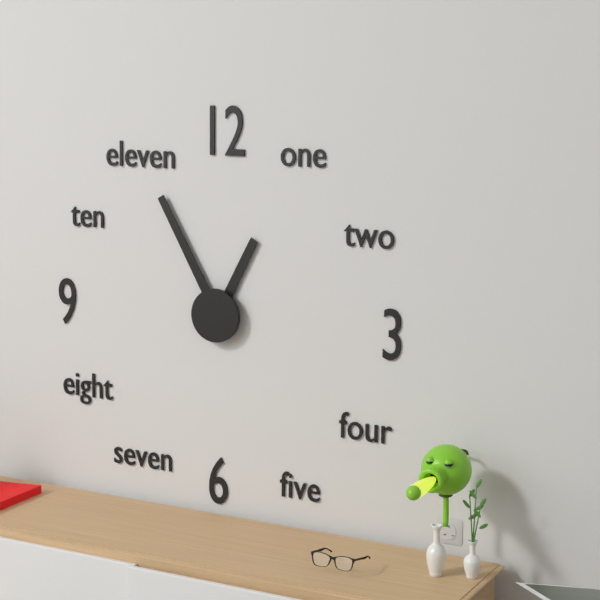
12:55
